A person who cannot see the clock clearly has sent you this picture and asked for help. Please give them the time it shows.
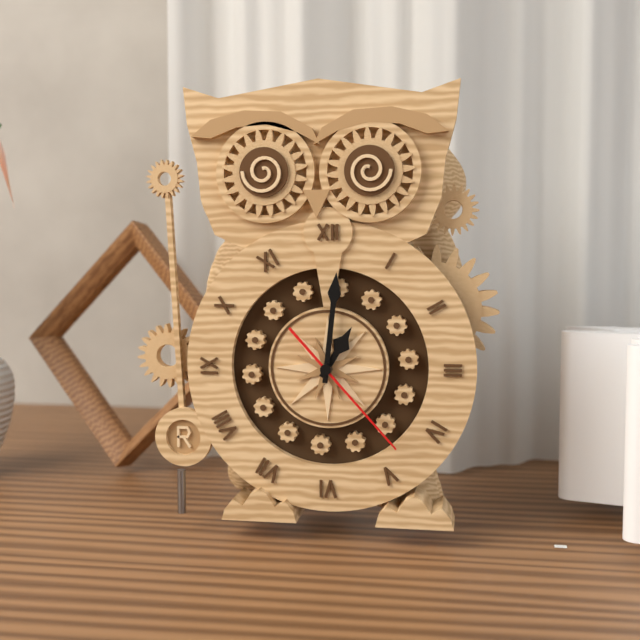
1:01:23
